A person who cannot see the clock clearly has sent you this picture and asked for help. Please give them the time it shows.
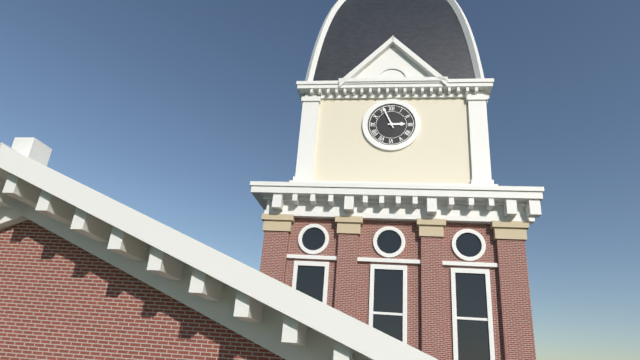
2:56
